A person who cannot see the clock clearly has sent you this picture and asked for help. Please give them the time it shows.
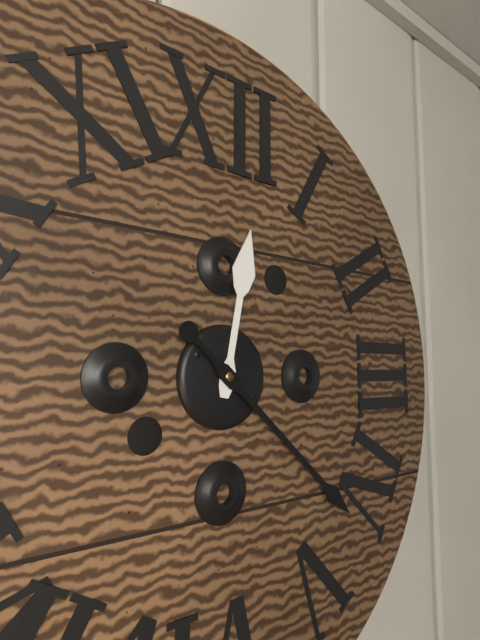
12:22
